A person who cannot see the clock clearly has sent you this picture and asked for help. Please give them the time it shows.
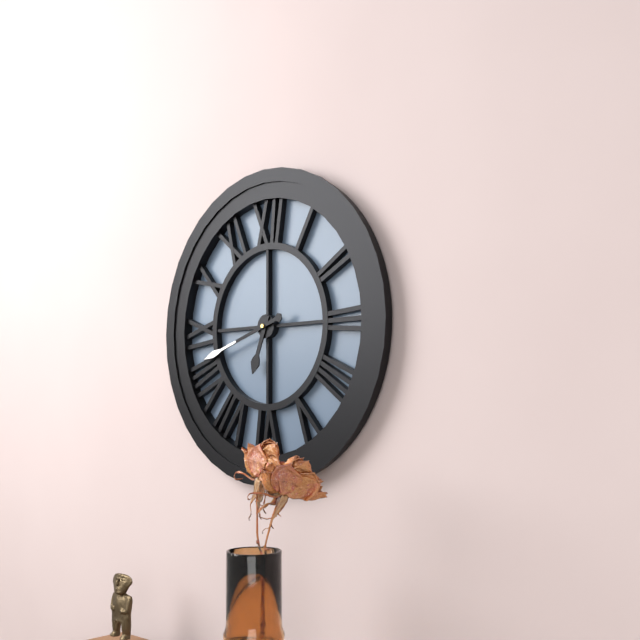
6:42
